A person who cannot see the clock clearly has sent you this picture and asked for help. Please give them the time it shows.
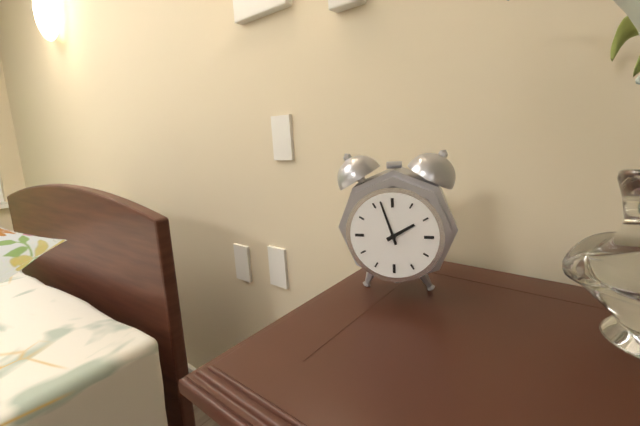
1:57
